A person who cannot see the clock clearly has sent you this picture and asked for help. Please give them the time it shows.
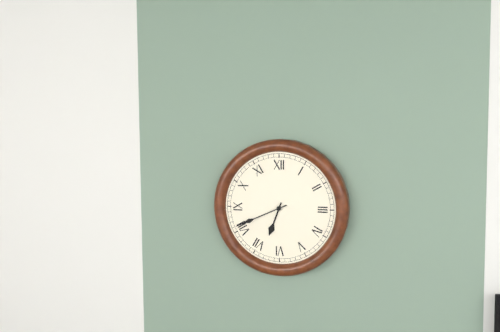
6:41
